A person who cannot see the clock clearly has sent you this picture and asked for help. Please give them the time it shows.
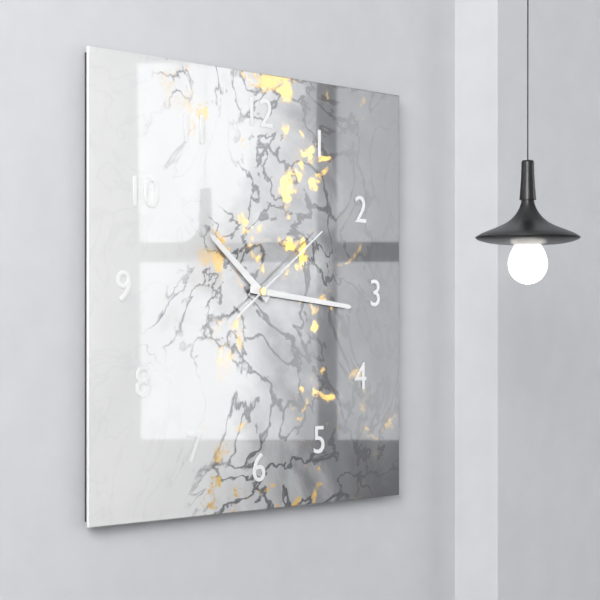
10:16:09
